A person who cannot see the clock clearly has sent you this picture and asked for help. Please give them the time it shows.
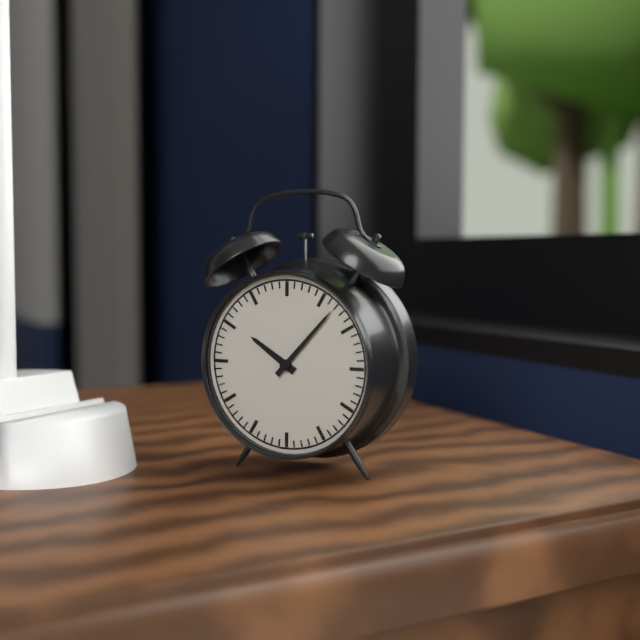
10:07
